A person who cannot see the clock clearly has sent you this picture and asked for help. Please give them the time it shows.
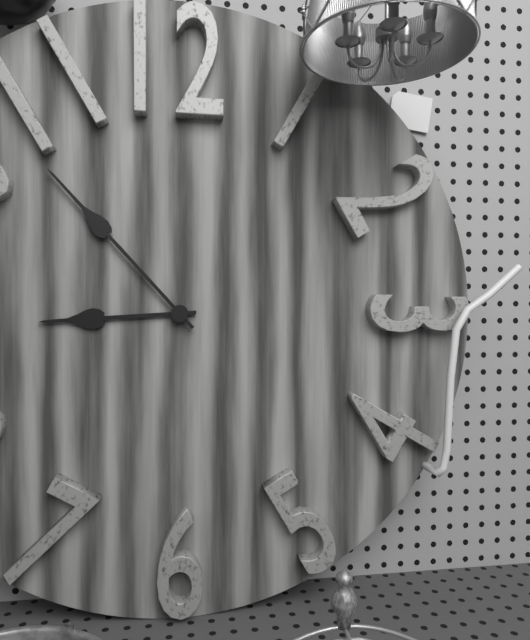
8:53
